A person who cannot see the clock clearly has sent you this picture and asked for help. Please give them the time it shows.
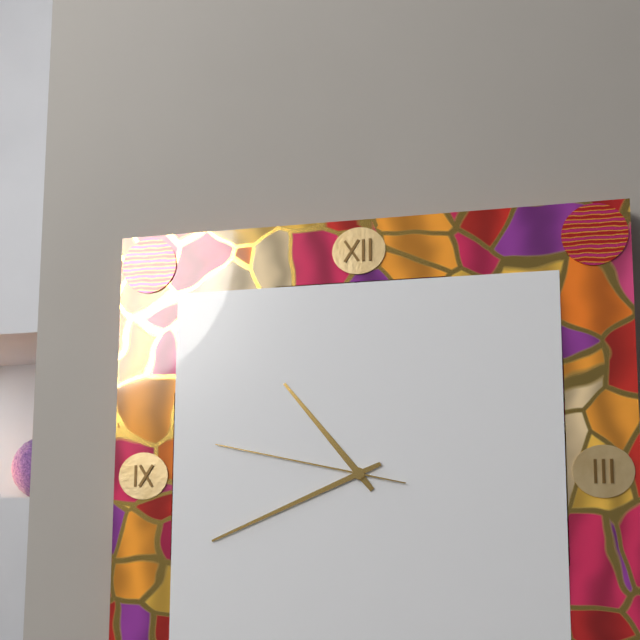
10:41:47
